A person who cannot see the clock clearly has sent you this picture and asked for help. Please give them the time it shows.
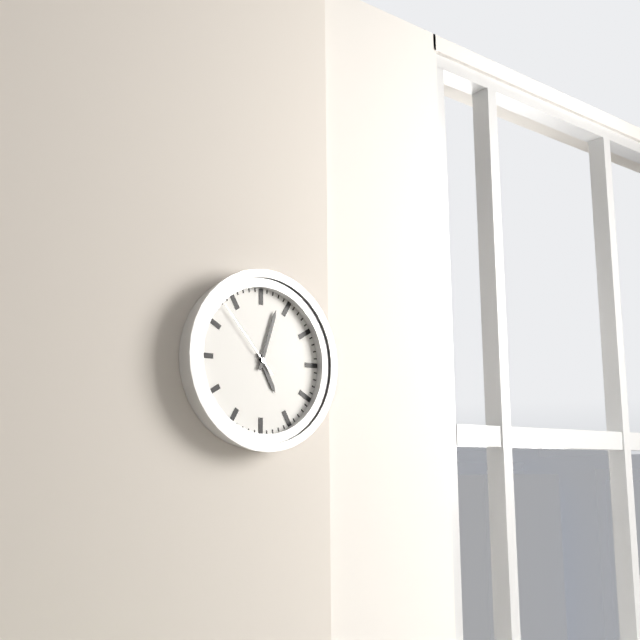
5:03:53
